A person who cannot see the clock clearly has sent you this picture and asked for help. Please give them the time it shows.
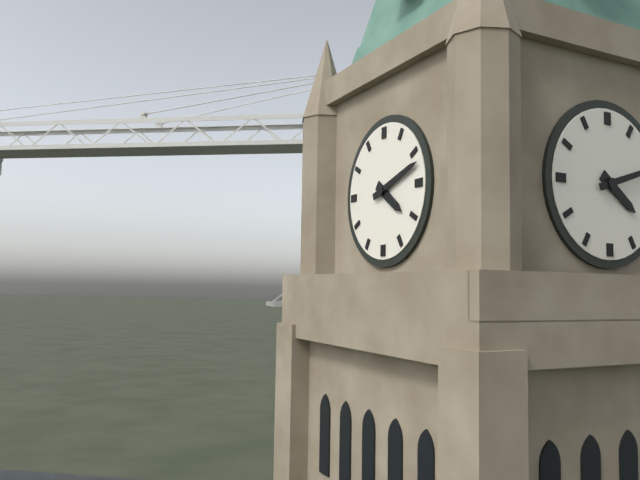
4:12
